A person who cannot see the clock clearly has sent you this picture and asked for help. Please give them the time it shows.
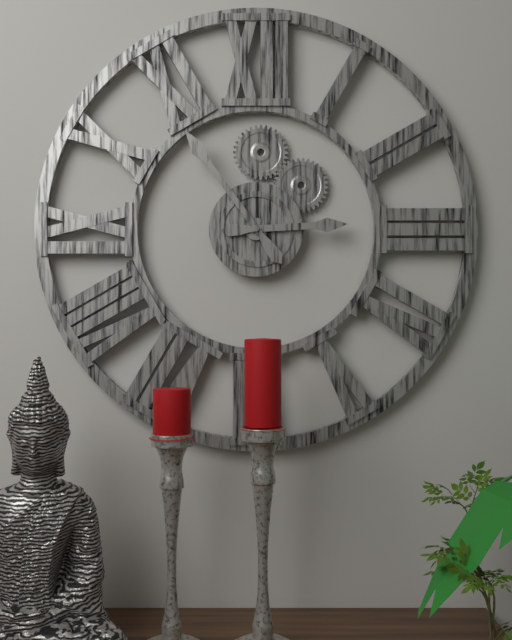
2:54
